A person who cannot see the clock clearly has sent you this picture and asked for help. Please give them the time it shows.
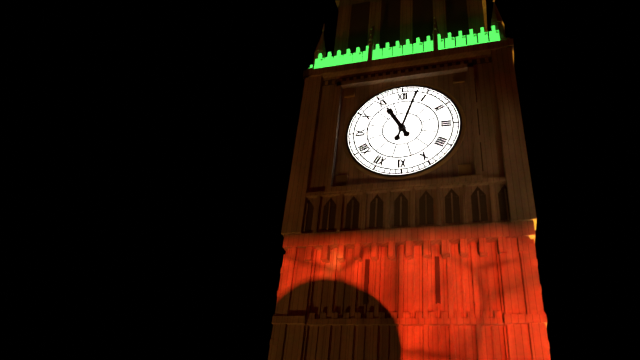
11:03
